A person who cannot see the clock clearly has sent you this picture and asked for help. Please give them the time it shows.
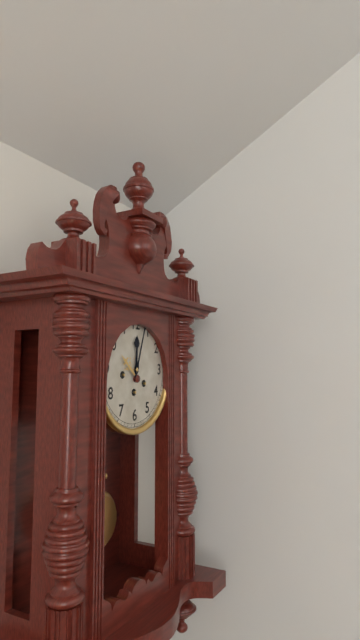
12:03
